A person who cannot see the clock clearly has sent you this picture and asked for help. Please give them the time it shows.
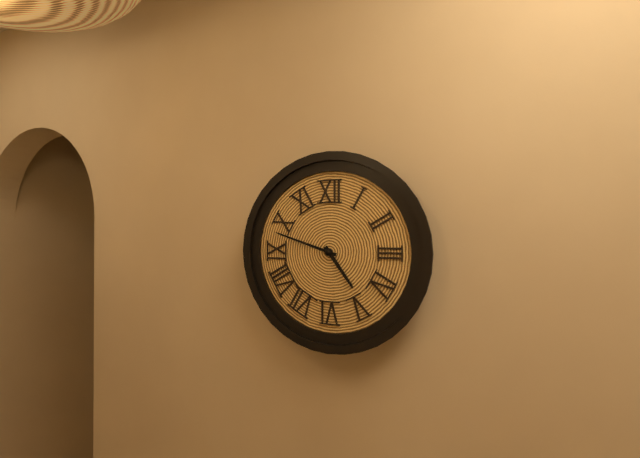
4:48
